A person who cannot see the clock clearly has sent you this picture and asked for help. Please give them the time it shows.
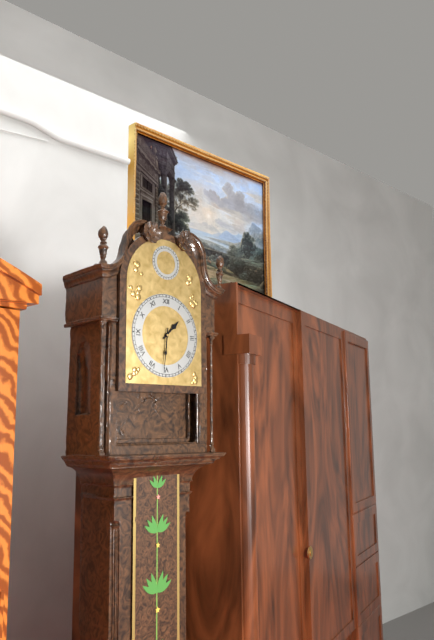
1:31
